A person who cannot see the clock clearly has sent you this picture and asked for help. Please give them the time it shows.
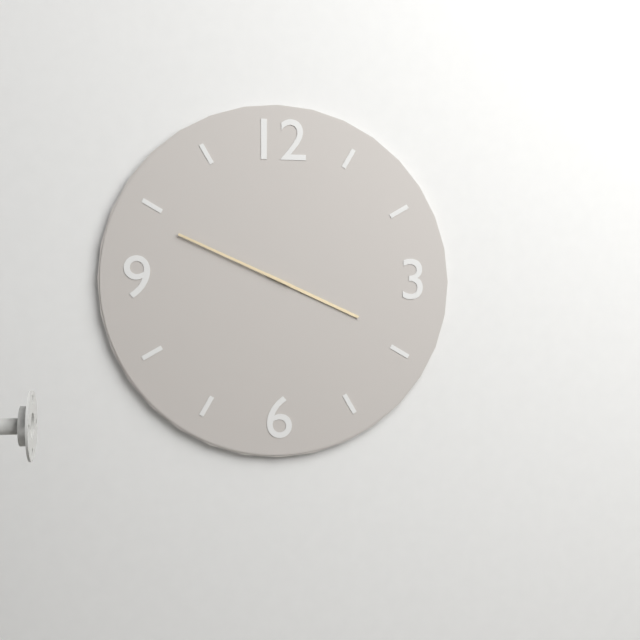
3:49
